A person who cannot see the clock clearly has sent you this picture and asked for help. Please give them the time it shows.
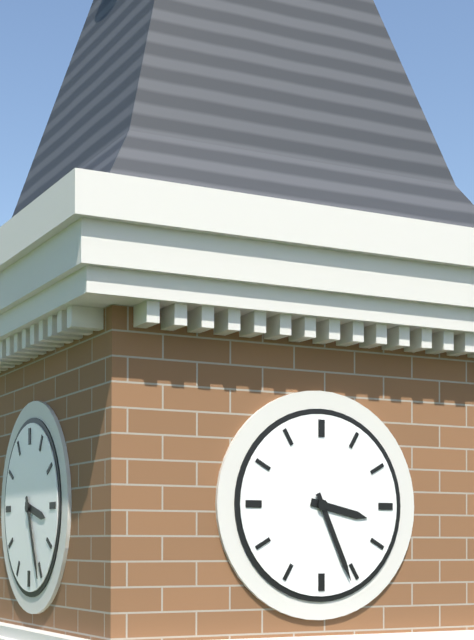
3:26
